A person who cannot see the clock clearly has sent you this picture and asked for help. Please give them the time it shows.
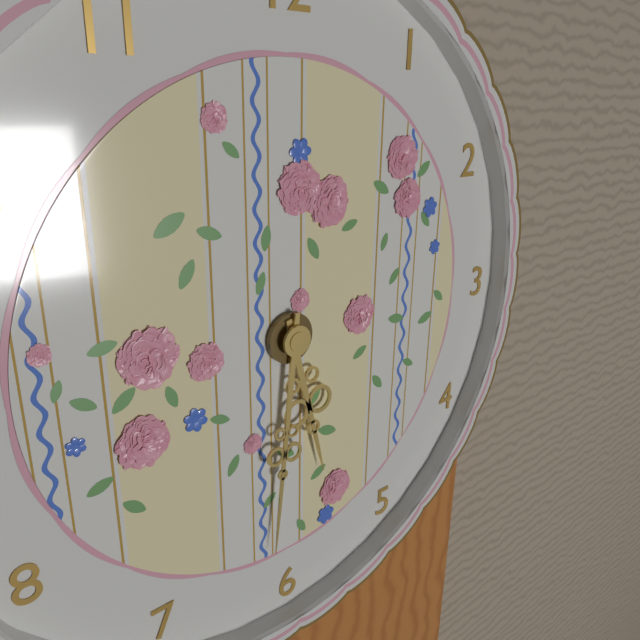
5:31
